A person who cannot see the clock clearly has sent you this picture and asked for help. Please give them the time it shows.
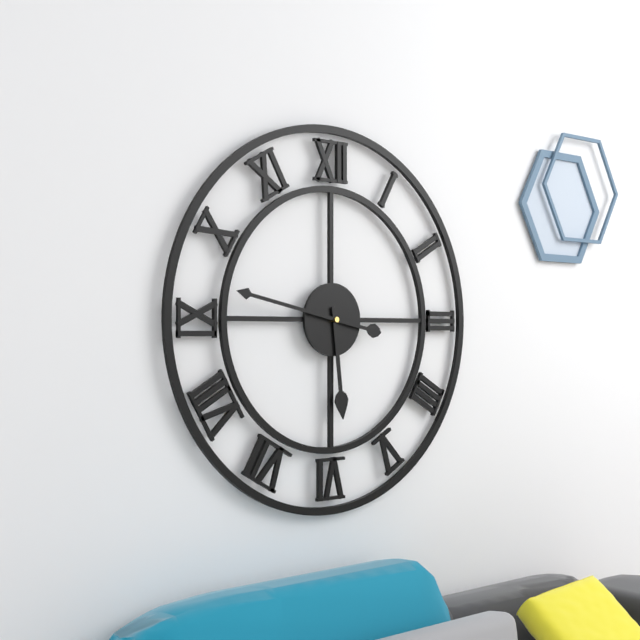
5:47
